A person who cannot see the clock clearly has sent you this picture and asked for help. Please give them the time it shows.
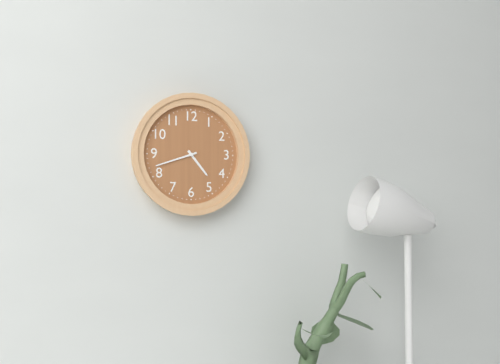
4:42
